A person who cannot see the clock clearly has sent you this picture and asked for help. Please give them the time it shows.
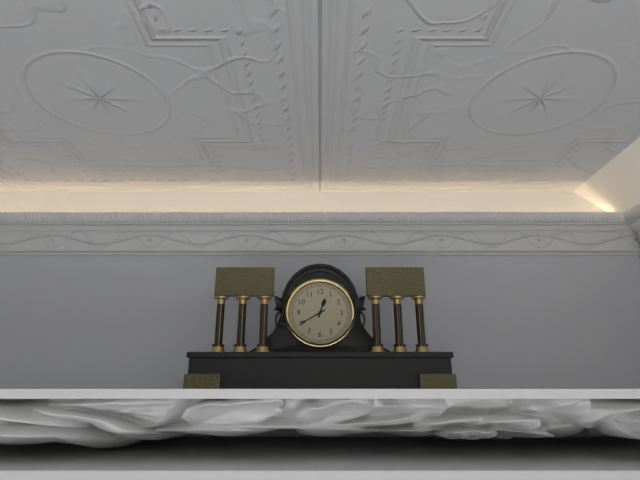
12:40
